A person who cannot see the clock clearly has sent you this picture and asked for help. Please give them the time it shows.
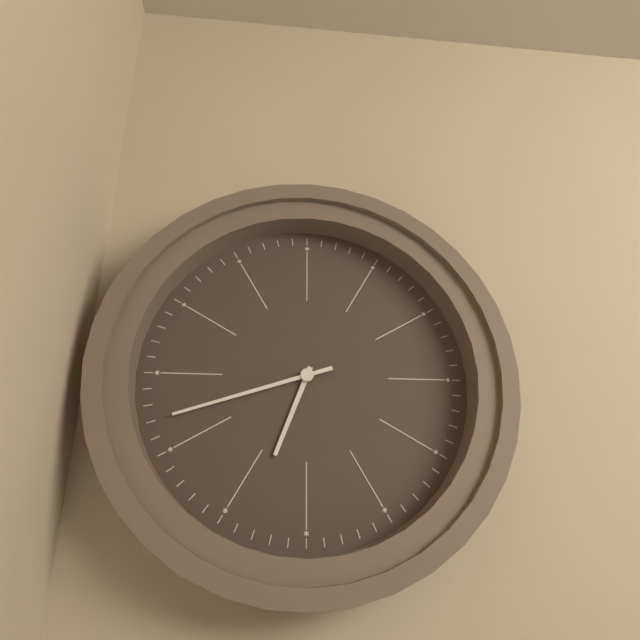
6:42
